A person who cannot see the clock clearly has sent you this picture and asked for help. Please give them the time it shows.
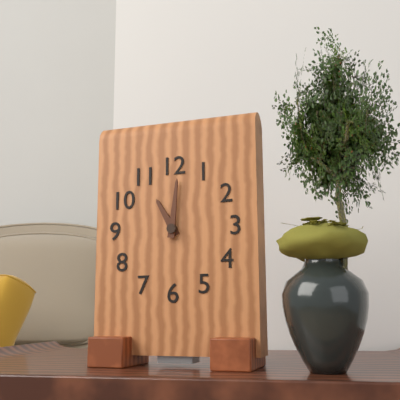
11:01
